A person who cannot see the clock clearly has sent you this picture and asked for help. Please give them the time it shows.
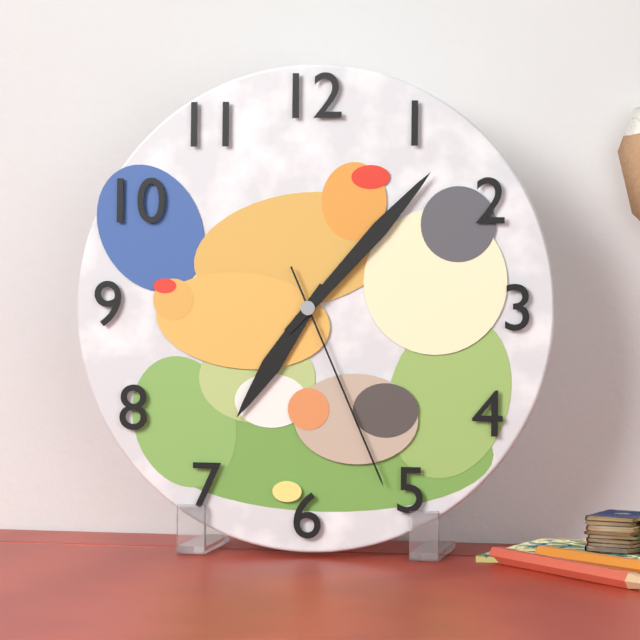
7:07:26
